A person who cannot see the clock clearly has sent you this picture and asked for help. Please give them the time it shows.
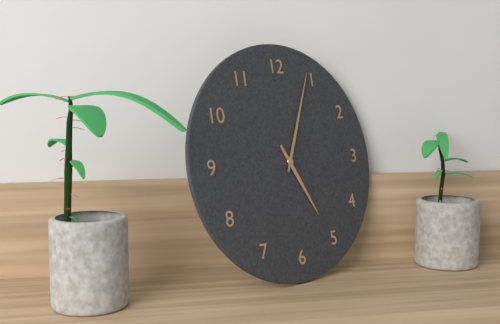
5:04
